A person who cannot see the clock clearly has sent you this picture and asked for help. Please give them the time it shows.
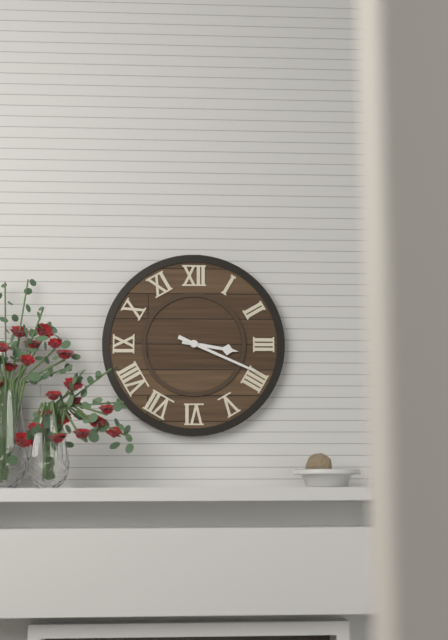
3:19
